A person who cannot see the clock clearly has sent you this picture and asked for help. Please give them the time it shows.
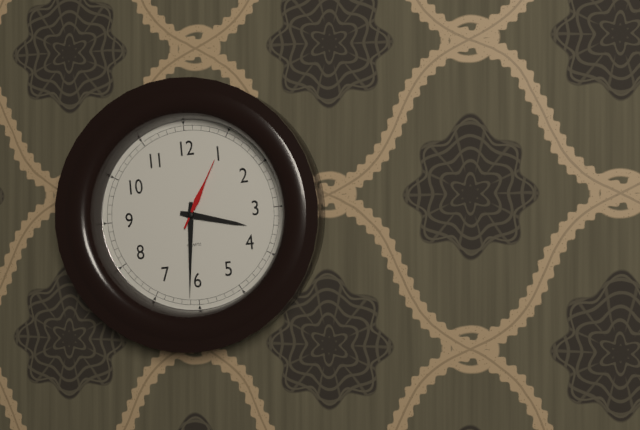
3:31:05
